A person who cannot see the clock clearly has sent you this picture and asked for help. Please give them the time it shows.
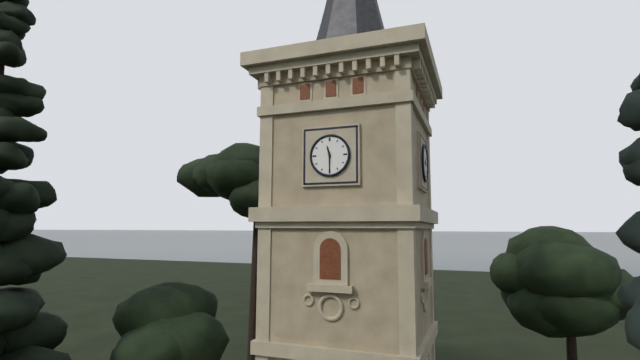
11:30
